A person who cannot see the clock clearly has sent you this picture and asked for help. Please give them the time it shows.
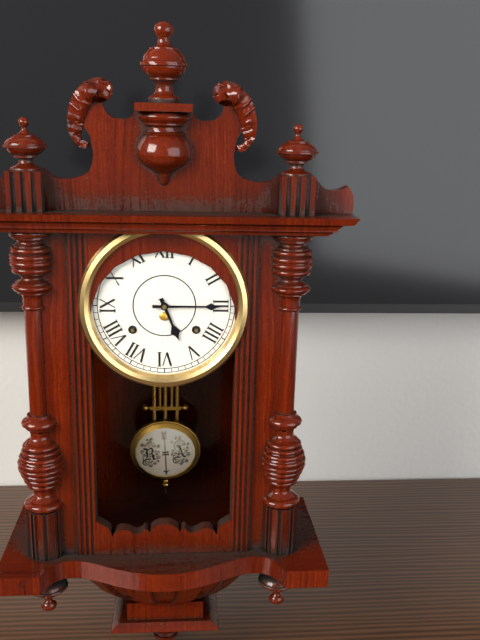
5:15
